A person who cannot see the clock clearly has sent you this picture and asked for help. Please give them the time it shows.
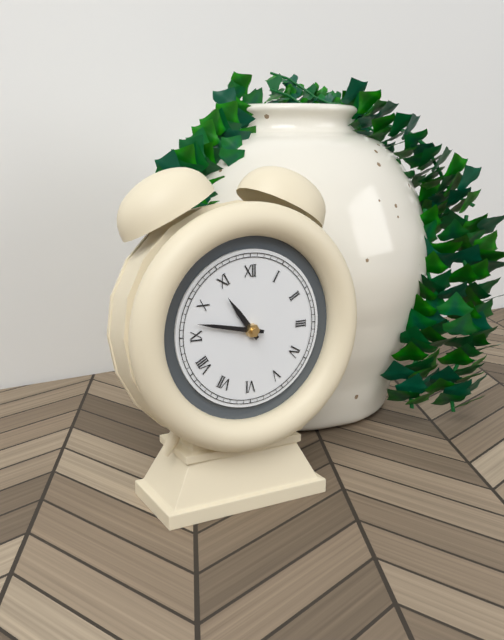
10:47
